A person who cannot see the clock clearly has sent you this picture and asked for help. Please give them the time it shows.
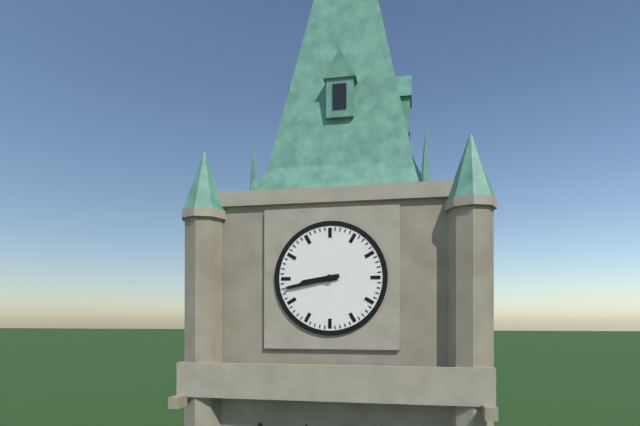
8:43
